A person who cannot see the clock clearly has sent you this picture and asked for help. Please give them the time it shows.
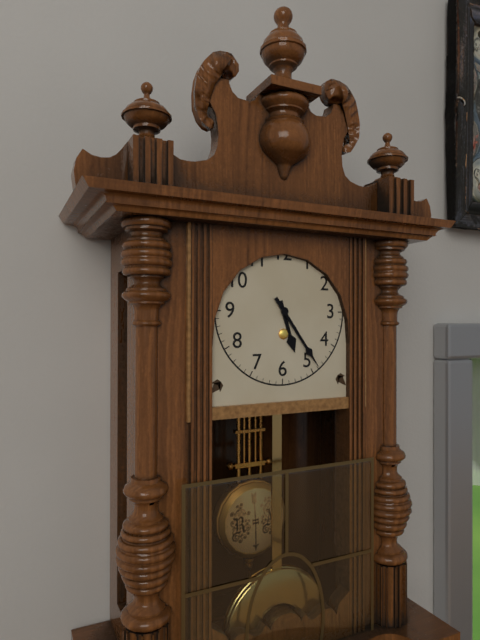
5:24
